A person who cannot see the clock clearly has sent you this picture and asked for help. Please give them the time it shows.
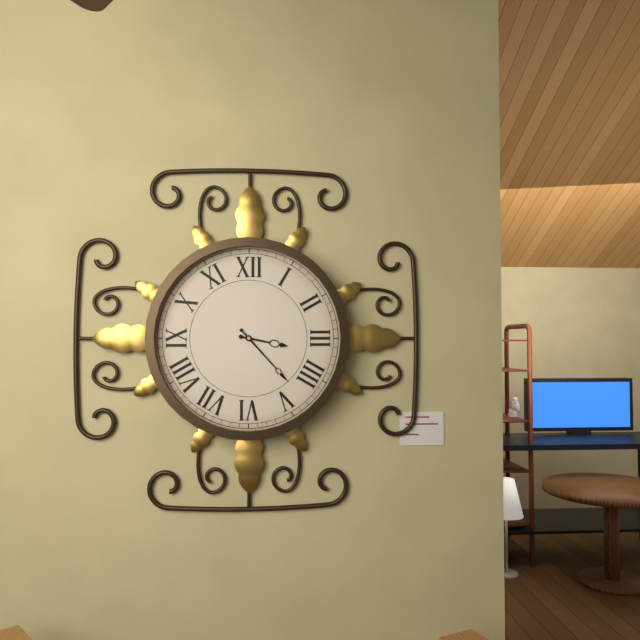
3:23
